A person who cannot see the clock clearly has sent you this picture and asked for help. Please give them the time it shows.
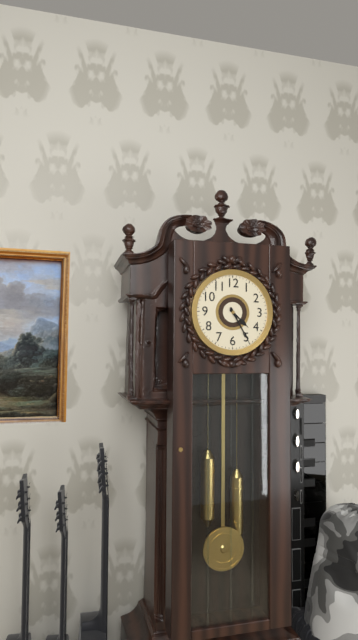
4:25
